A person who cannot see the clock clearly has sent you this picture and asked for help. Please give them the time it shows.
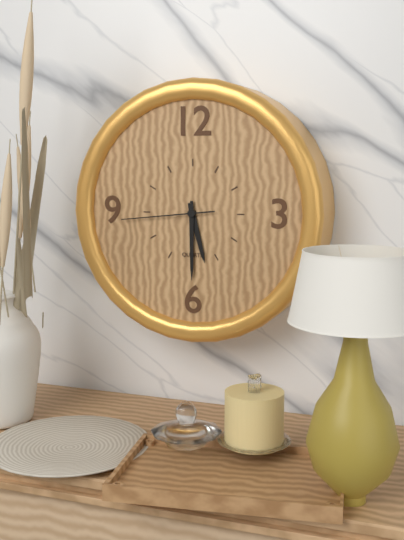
5:30:44
